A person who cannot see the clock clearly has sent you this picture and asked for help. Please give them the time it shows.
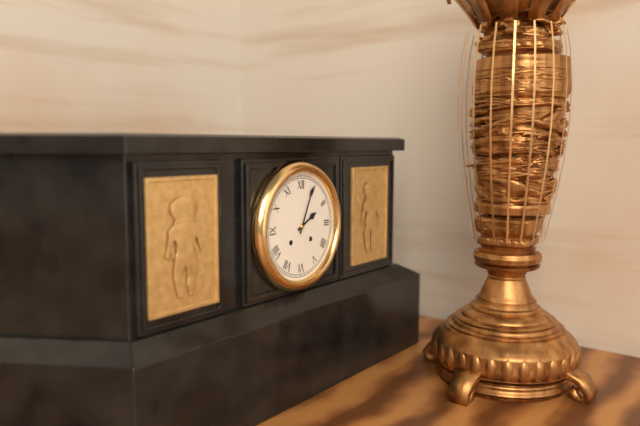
2:04
